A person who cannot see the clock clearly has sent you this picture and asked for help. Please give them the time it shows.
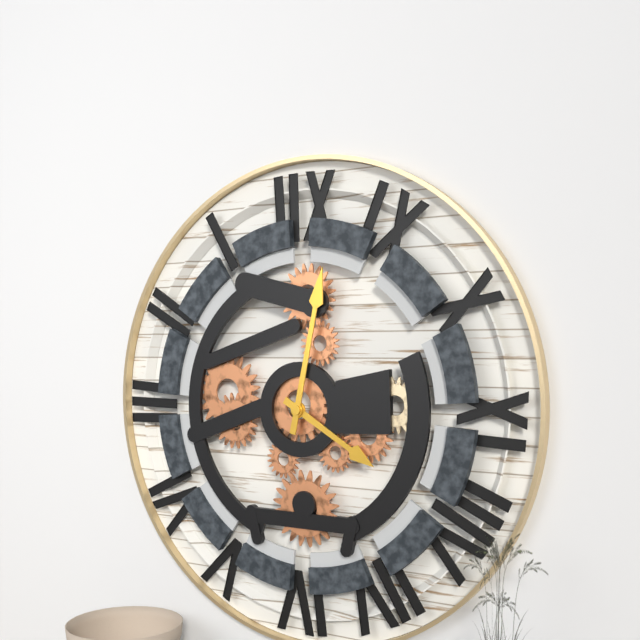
4:02
